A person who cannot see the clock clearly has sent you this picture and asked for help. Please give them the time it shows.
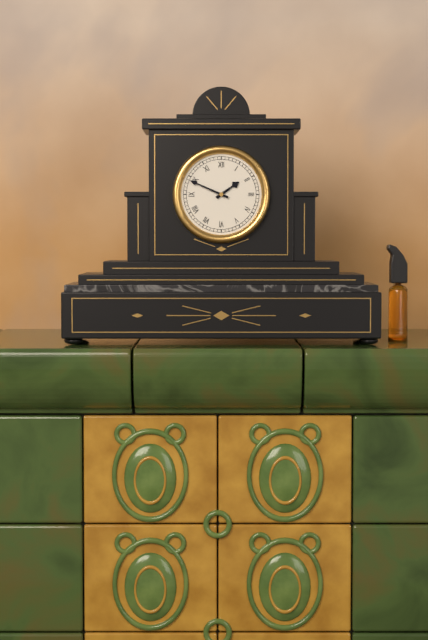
1:49
